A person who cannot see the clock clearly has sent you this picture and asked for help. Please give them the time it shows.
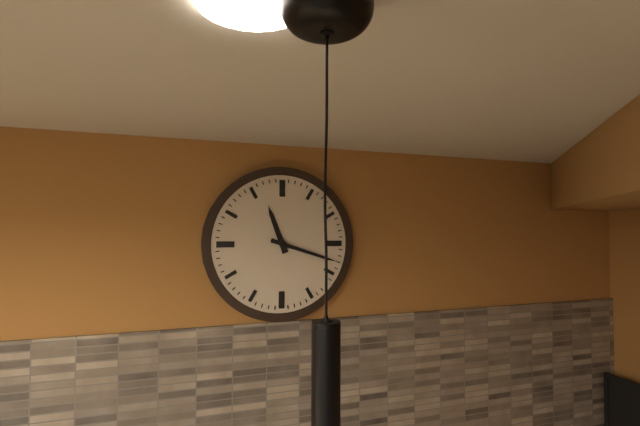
11:18
